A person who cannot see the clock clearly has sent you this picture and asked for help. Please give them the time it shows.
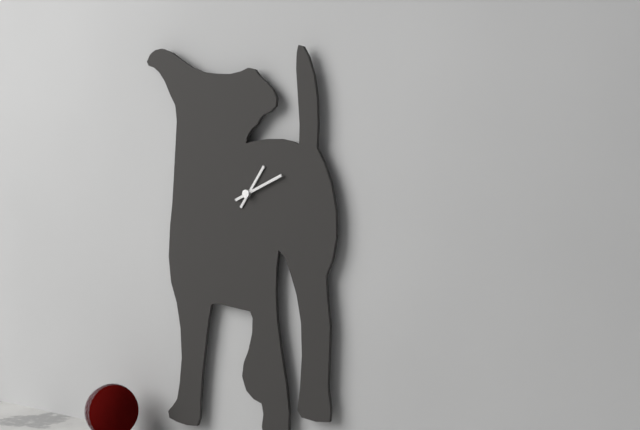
1:11
